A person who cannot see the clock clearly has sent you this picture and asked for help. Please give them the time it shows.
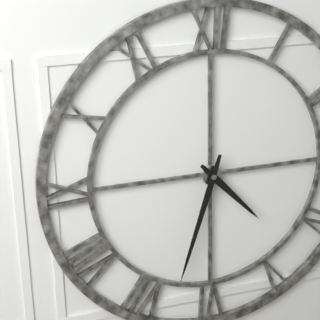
4:33
